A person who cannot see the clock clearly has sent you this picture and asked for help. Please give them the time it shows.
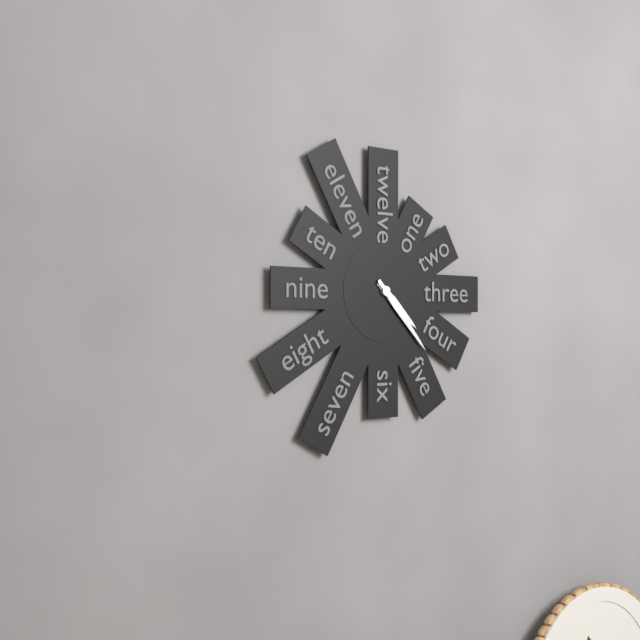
4:23
